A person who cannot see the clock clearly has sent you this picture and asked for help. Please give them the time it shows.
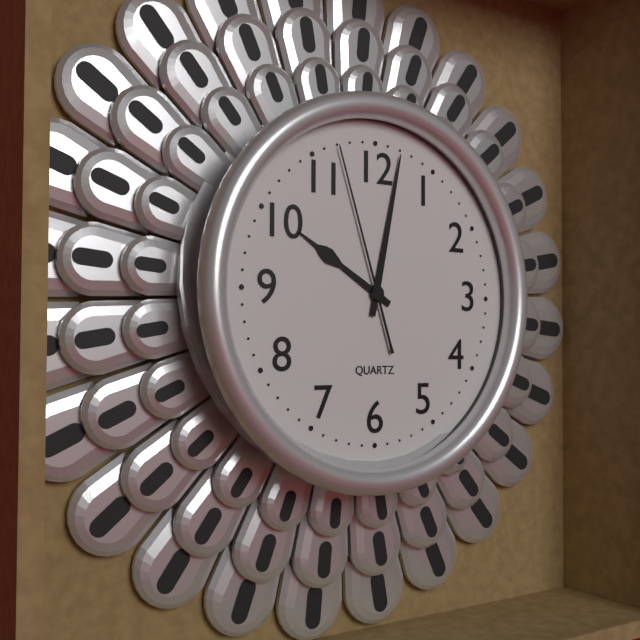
10:02:57
